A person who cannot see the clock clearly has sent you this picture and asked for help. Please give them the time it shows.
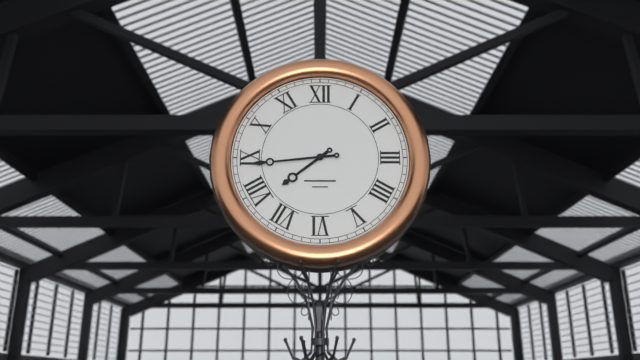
7:44
